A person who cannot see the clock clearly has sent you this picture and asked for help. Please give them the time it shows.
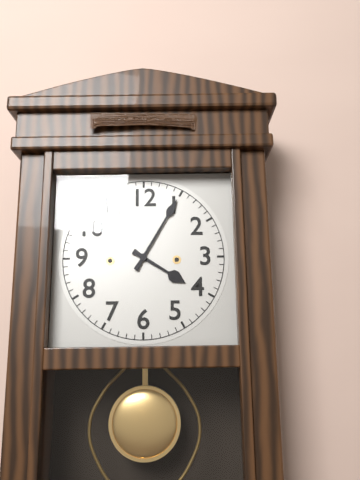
4:05
